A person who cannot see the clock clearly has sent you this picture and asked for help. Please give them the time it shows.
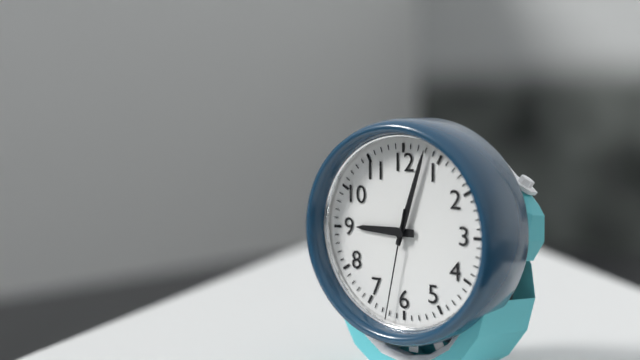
9:03:32
